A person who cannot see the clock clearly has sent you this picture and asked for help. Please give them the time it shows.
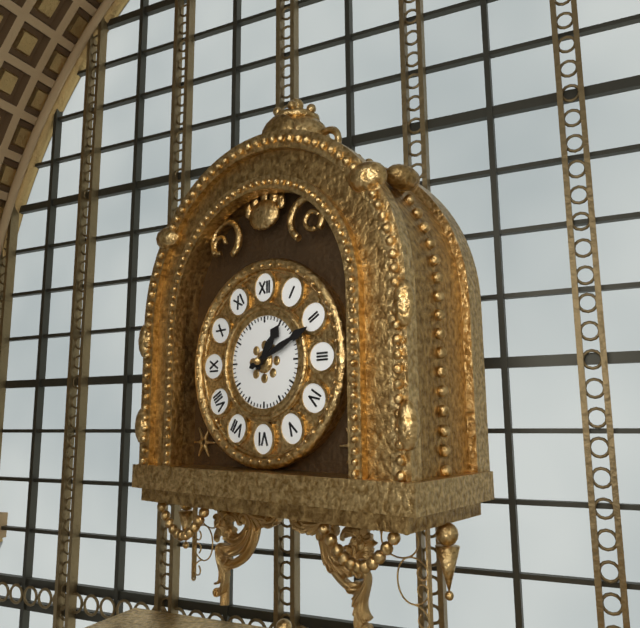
1:11
